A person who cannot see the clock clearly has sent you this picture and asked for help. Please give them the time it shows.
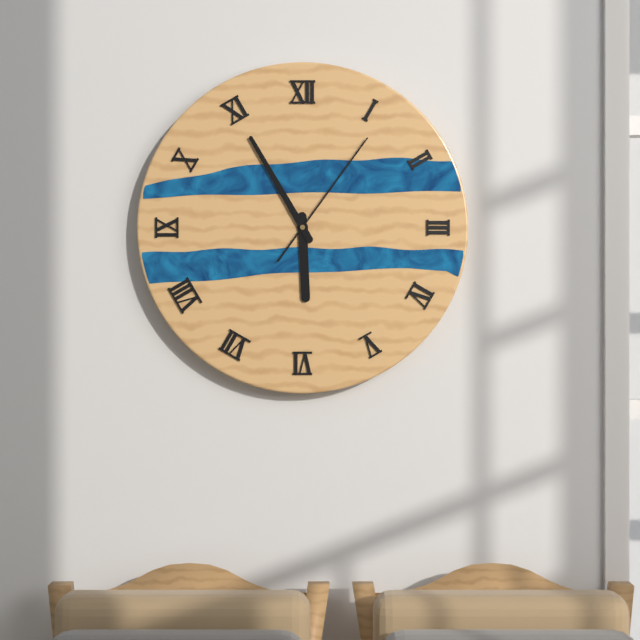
5:55:06
